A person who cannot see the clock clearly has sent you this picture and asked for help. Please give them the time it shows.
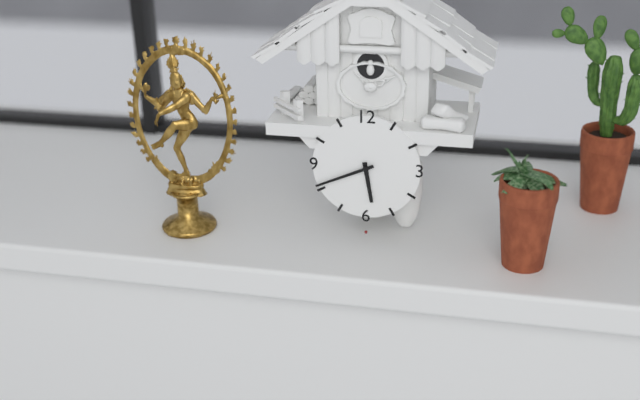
5:41
